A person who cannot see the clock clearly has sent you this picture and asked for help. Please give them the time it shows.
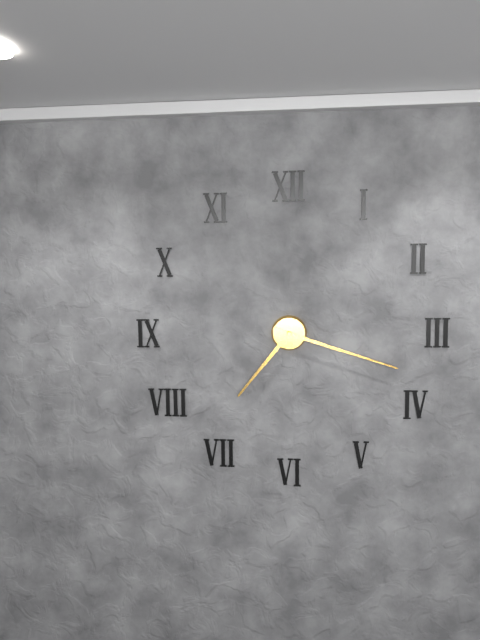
7:18
